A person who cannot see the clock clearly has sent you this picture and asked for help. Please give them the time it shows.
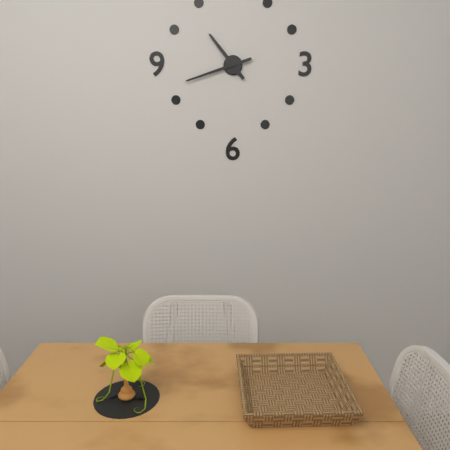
10:42
